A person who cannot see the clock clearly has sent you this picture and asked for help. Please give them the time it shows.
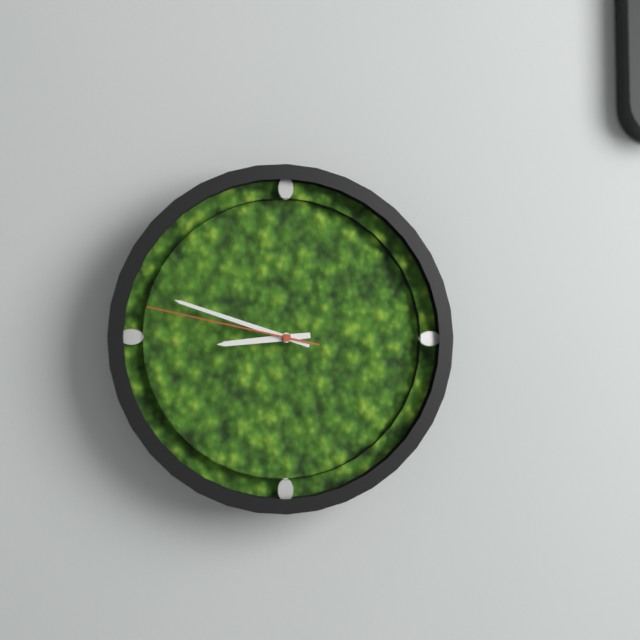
8:48:47
